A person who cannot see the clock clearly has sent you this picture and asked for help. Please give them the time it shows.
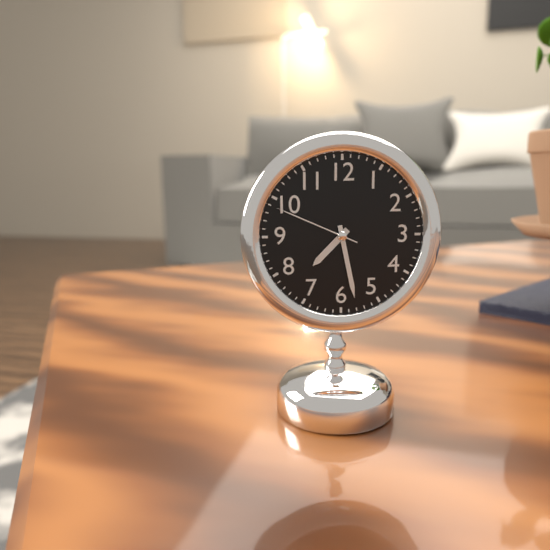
7:28:49
